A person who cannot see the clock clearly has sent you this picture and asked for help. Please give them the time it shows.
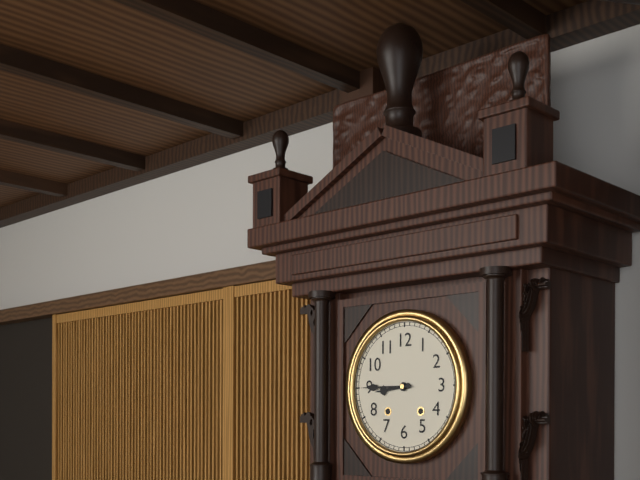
8:45
